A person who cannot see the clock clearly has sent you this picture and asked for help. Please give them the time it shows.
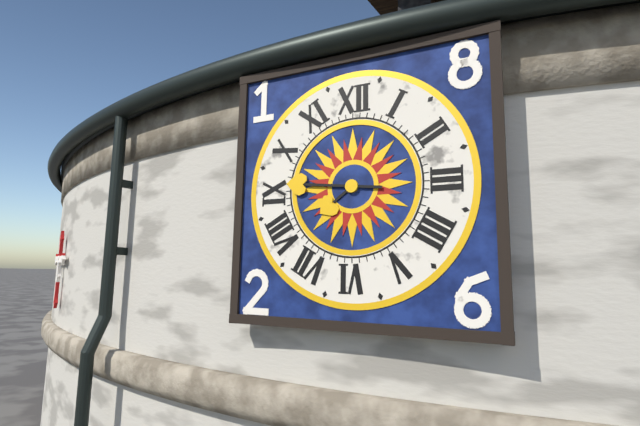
7:46
